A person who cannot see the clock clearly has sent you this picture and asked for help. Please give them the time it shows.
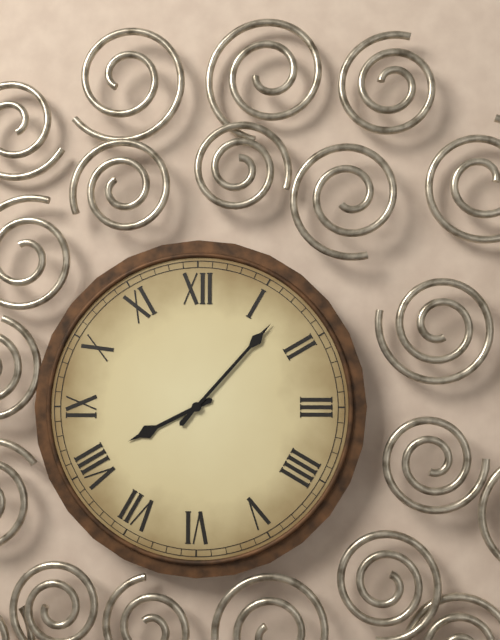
8:07
